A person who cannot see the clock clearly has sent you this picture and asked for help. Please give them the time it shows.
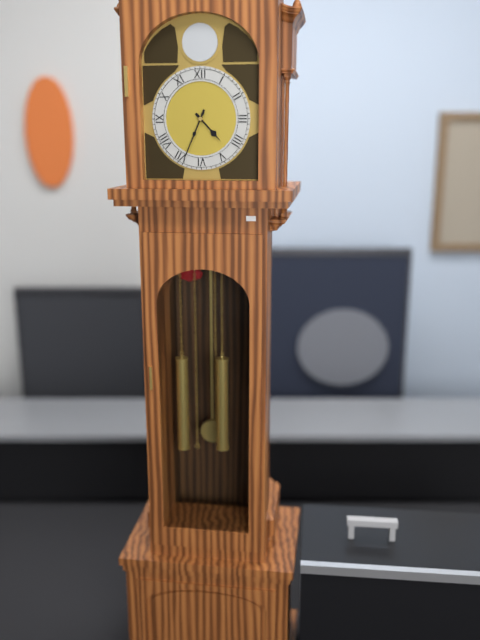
4:34
